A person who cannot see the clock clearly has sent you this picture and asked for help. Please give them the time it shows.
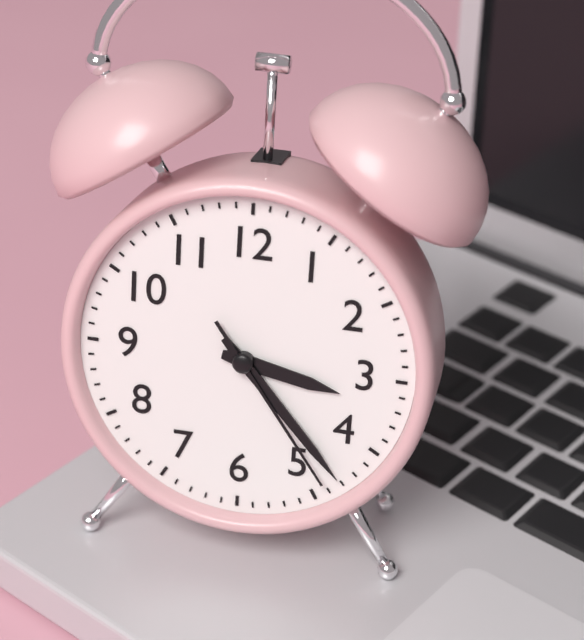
3:23:24
